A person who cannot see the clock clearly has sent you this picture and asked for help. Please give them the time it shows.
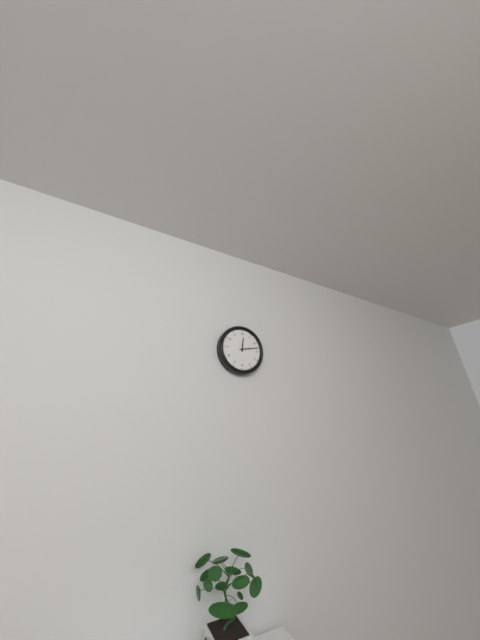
12:13
